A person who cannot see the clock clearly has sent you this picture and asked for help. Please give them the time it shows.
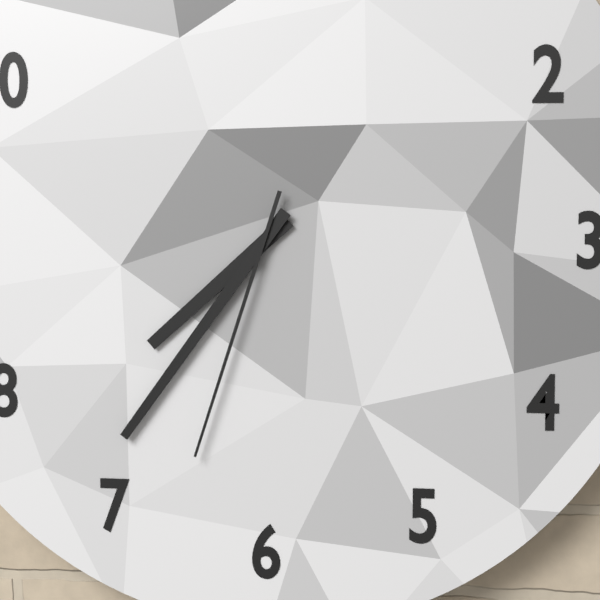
7:36:33
